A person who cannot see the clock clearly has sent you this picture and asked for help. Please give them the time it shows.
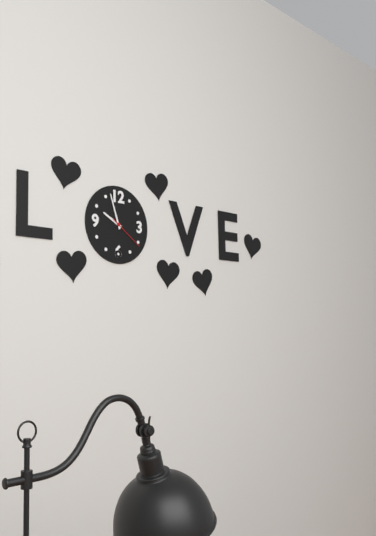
9:57
